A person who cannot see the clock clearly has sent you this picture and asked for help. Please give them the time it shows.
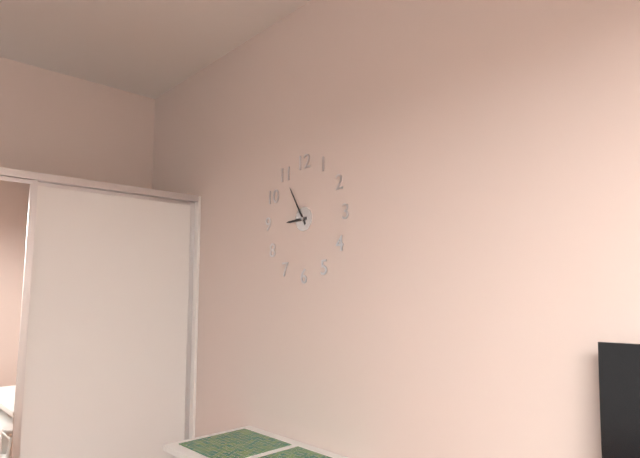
8:55
